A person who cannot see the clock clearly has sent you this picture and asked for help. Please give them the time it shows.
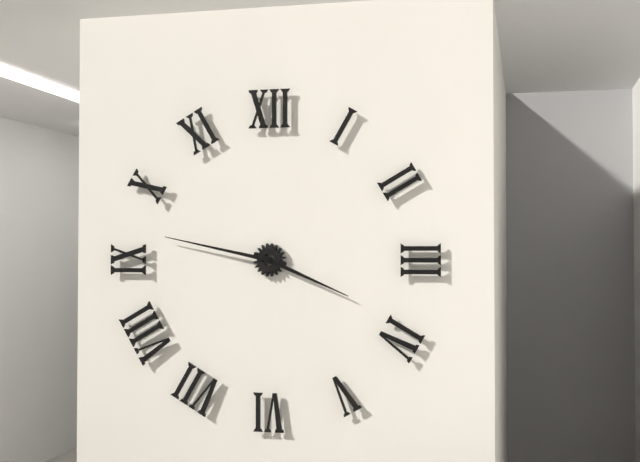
3:47
